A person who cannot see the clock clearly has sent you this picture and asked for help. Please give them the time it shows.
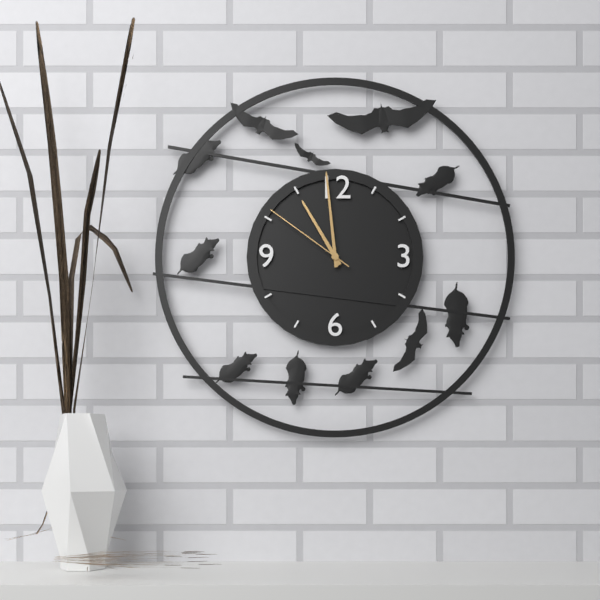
10:59:51
